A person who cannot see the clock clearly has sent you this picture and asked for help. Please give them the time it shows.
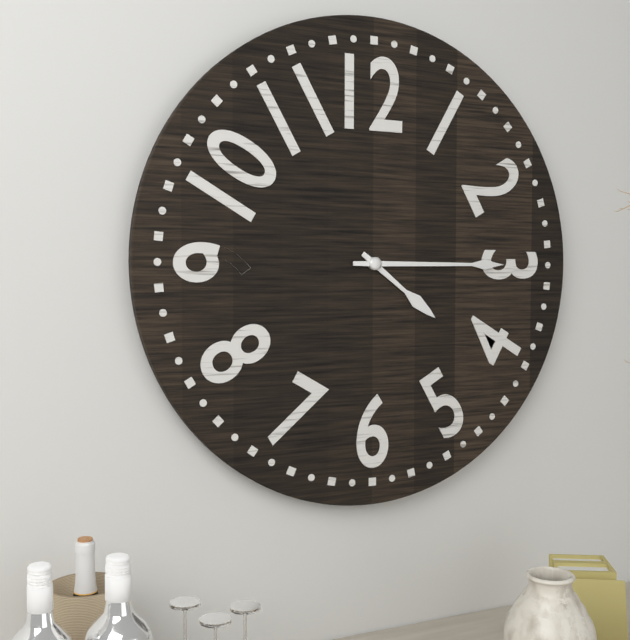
4:15
